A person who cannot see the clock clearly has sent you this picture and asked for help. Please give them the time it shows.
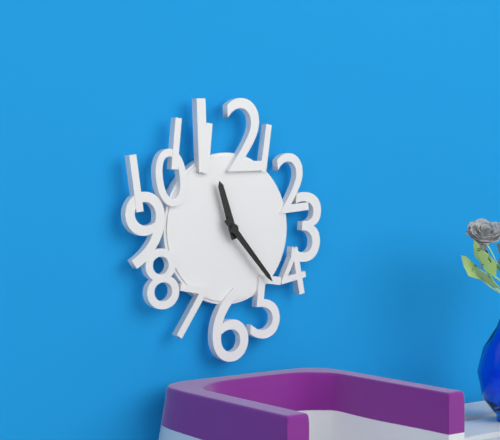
11:23
